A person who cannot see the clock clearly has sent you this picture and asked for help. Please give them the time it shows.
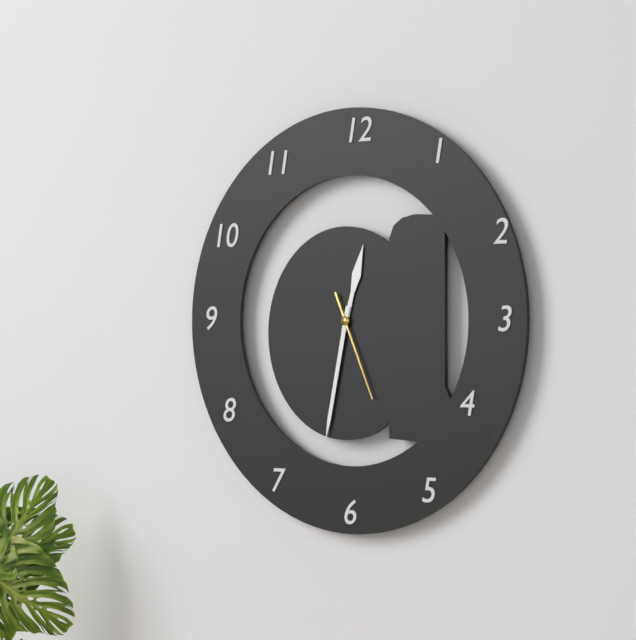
12:32:26
